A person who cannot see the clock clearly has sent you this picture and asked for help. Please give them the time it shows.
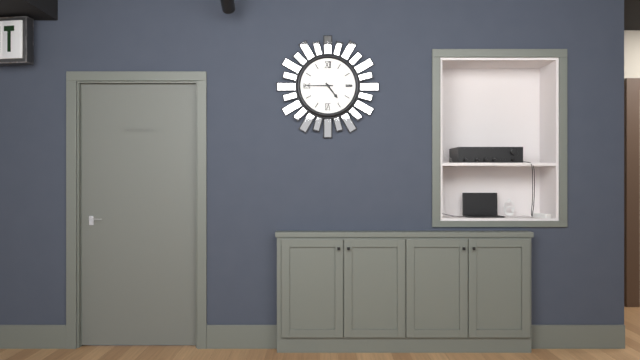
4:45
